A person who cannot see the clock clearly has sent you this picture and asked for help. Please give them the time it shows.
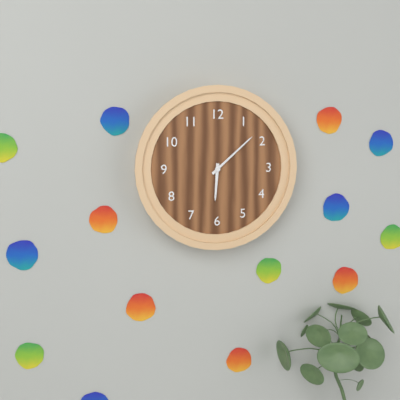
6:08
